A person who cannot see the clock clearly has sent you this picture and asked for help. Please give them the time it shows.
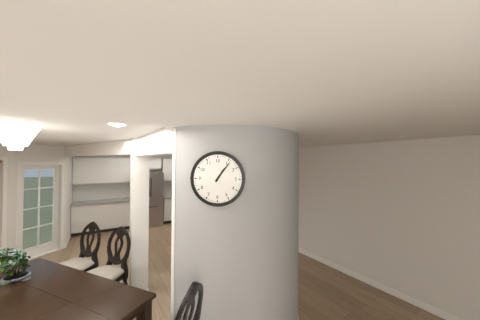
1:06
